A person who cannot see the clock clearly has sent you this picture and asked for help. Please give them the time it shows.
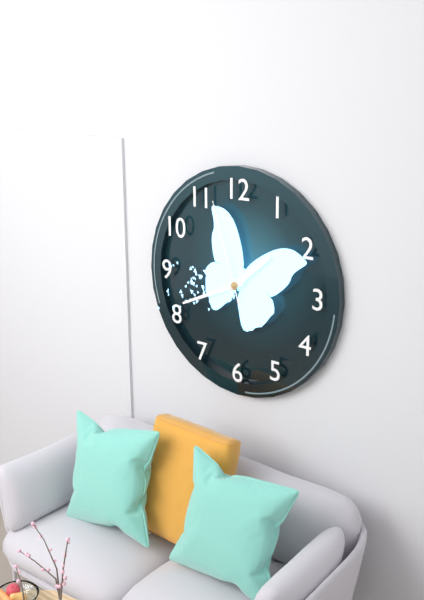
1:41:57
